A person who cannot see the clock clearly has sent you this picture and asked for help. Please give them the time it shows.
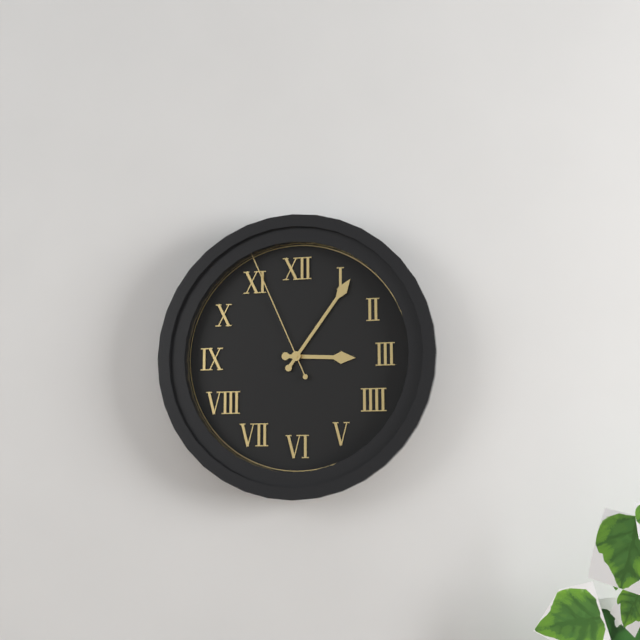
3:06:56
